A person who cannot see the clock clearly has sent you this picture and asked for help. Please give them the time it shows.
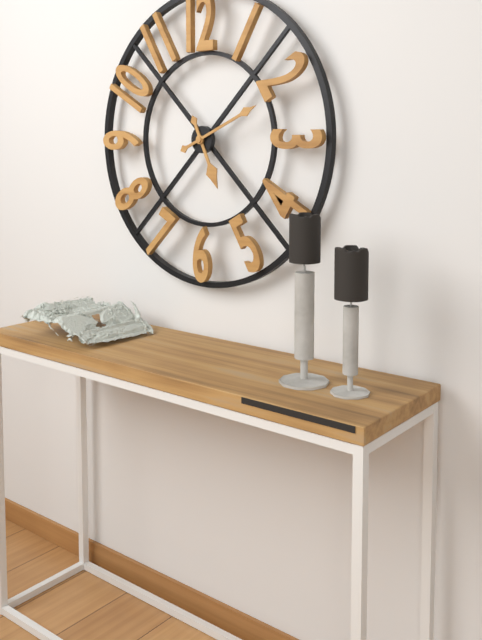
5:11
